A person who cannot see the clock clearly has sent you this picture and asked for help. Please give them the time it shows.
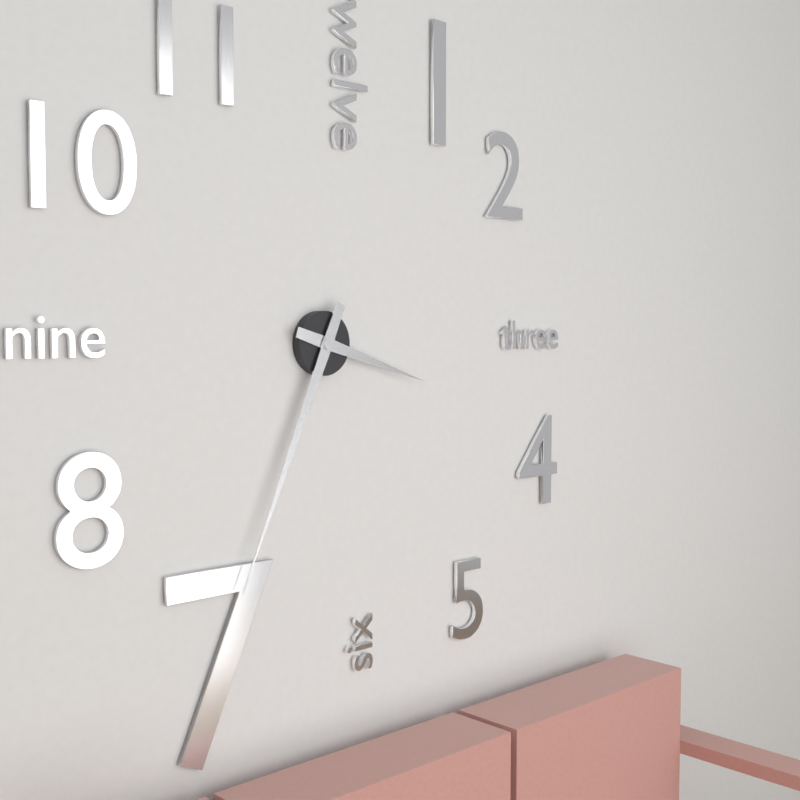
3:34
